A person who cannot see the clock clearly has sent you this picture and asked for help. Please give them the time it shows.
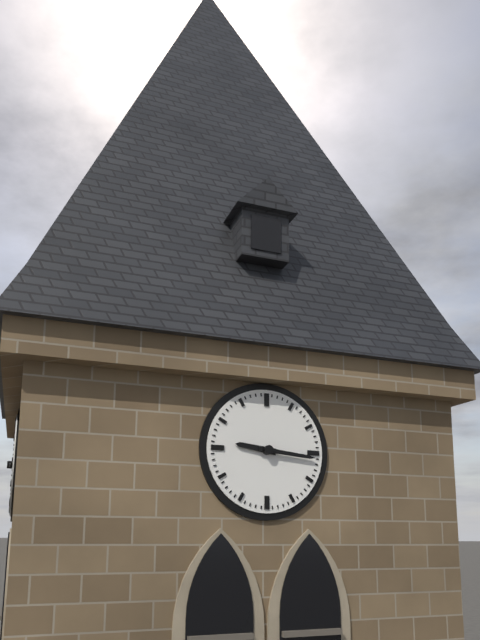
9:16
